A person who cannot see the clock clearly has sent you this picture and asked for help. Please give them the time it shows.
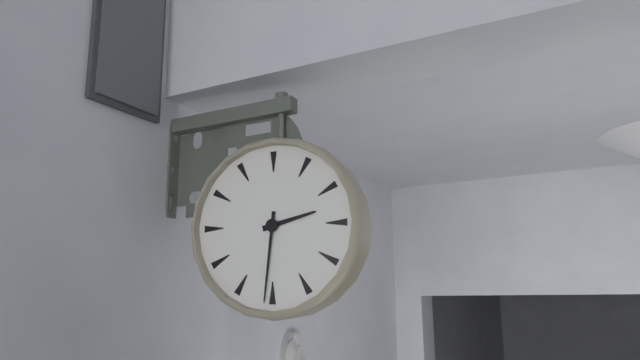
2:31
